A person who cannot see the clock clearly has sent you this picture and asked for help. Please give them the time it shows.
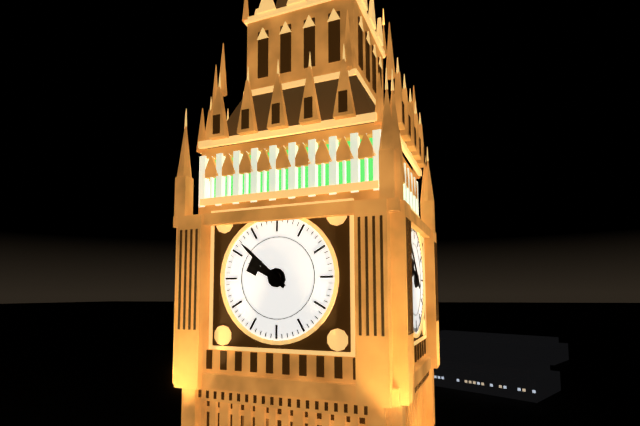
9:52
